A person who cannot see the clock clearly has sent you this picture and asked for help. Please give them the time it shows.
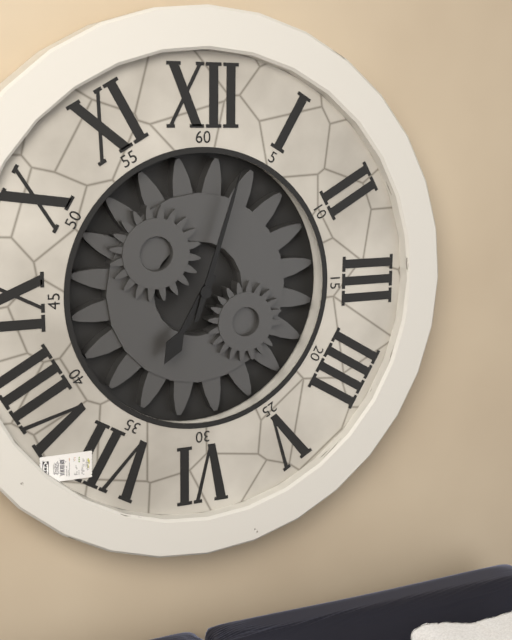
7:03
